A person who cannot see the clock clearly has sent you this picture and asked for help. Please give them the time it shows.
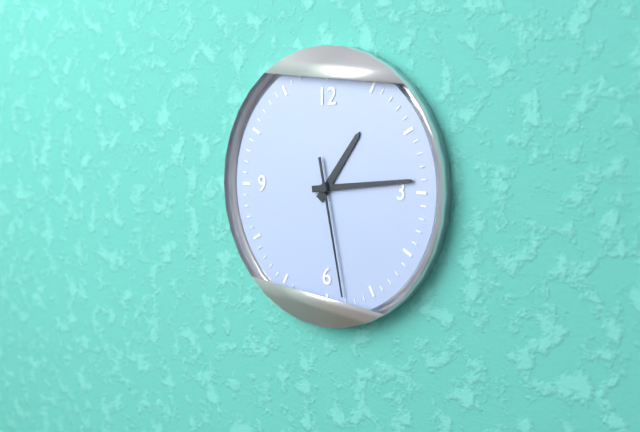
1:14:28
